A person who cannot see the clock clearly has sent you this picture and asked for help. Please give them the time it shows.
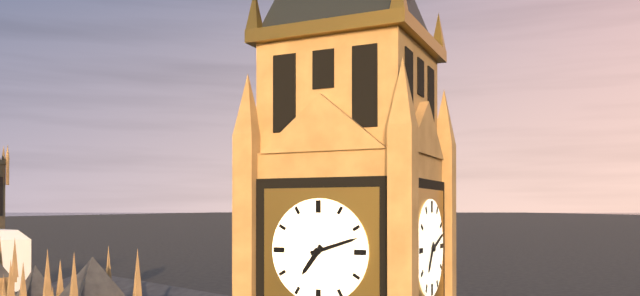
7:12
